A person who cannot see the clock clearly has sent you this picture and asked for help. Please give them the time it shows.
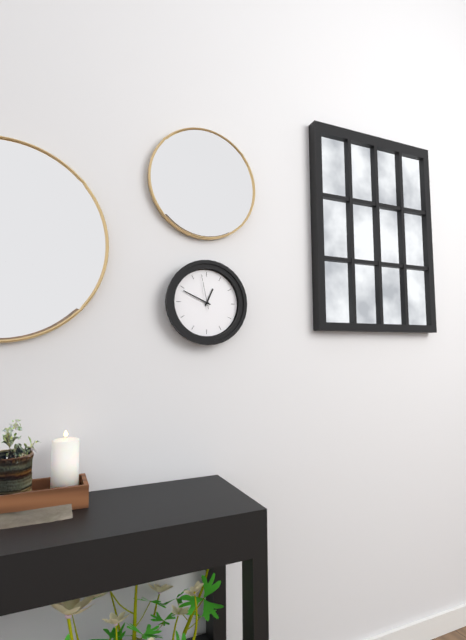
12:49
